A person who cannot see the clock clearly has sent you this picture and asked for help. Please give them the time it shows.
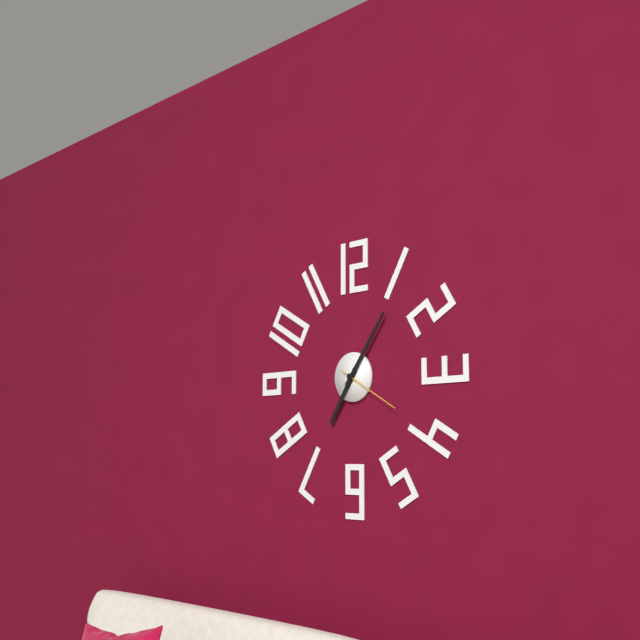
7:06:20
